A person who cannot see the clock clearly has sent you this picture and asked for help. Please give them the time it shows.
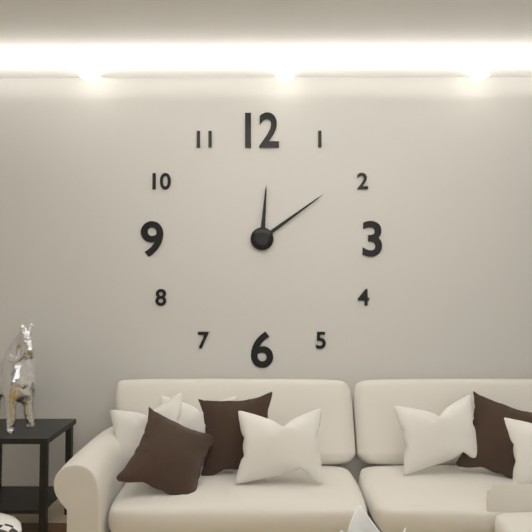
12:09
